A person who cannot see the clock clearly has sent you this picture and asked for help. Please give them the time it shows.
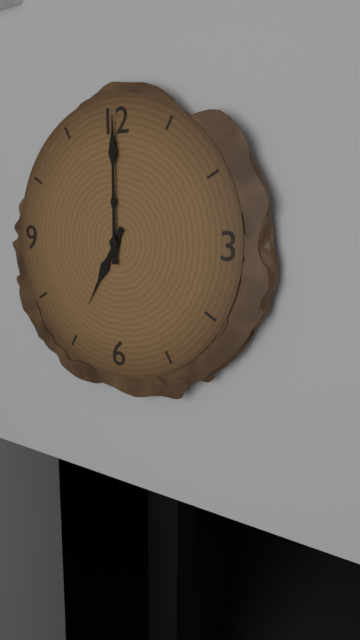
7:00
